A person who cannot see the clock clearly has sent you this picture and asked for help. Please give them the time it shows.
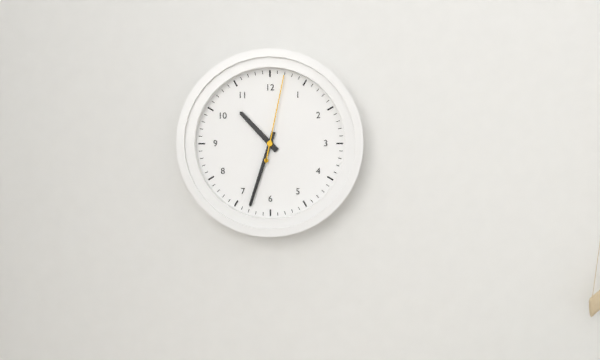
10:33:02
